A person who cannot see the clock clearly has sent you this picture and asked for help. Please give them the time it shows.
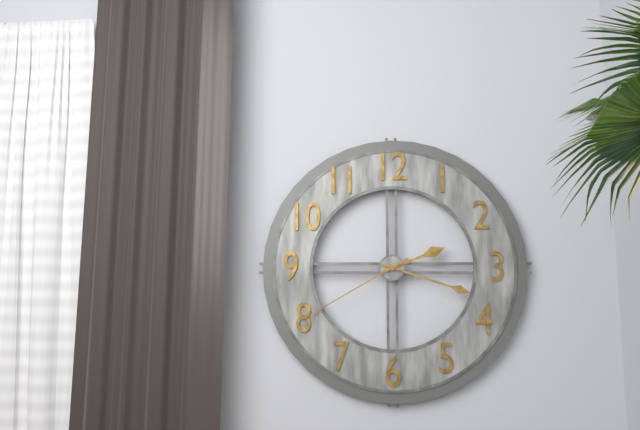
2:18:40
